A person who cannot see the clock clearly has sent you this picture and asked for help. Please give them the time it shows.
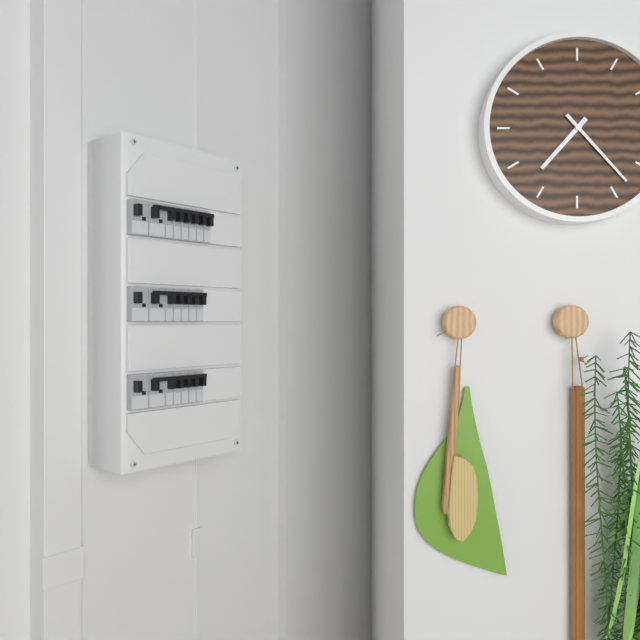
7:23
